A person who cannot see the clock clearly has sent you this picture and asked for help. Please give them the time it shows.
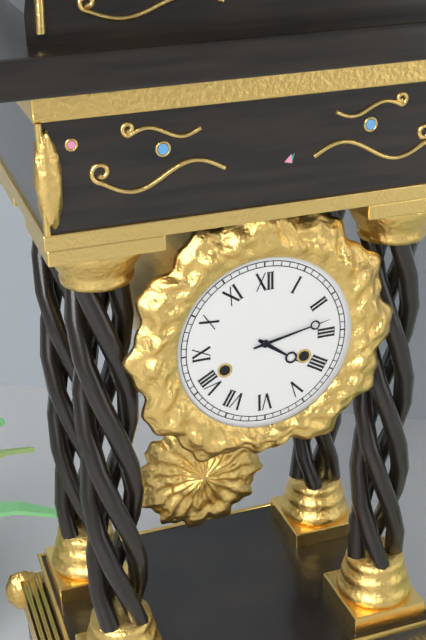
4:13
